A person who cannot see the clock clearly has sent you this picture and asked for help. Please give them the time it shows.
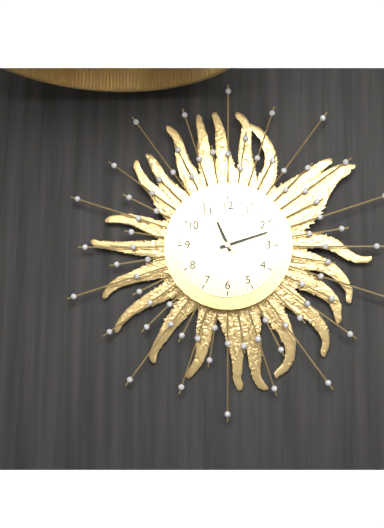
11:12:53
